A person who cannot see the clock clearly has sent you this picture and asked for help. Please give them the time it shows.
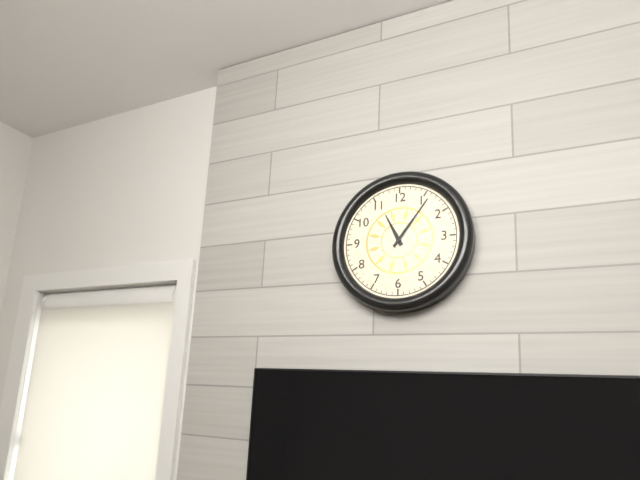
11:06
